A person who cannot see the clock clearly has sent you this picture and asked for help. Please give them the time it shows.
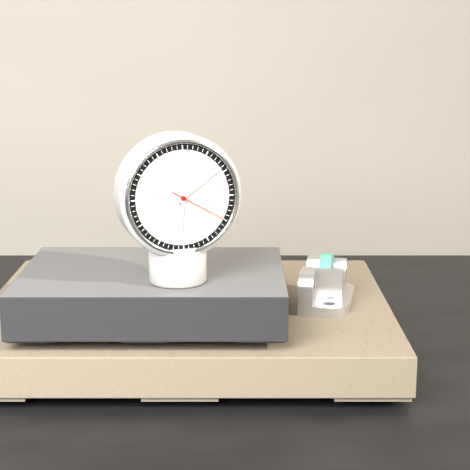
6:09:20
